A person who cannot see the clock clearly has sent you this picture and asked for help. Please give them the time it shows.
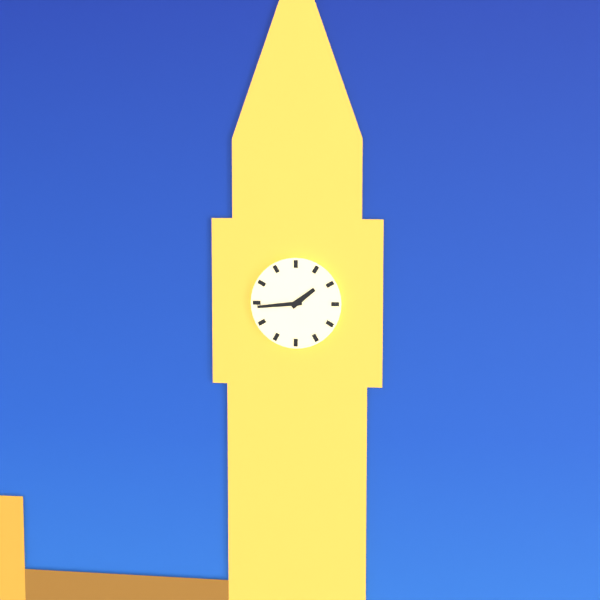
1:44
